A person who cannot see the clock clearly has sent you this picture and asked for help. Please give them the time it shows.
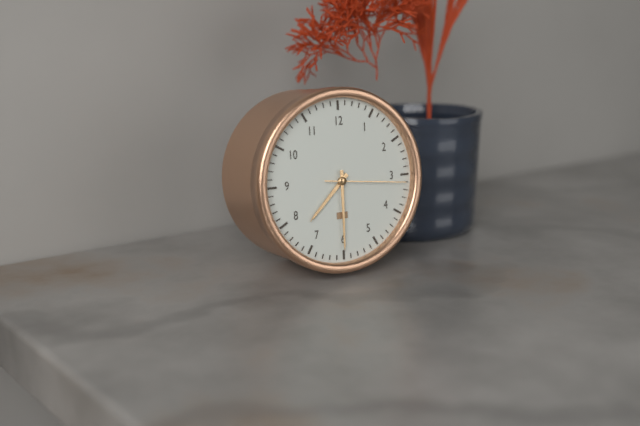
7:30:16
